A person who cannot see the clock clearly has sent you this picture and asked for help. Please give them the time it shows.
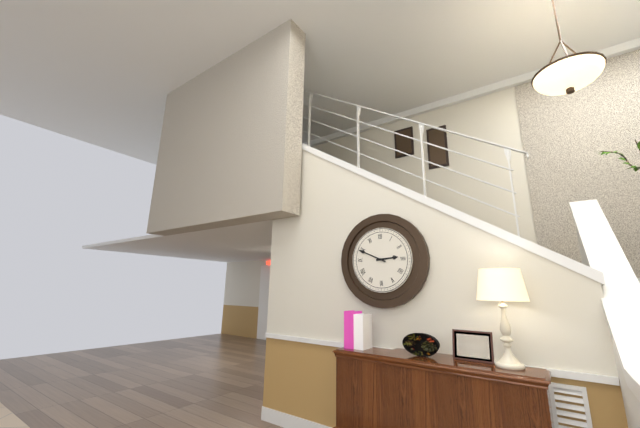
2:49
